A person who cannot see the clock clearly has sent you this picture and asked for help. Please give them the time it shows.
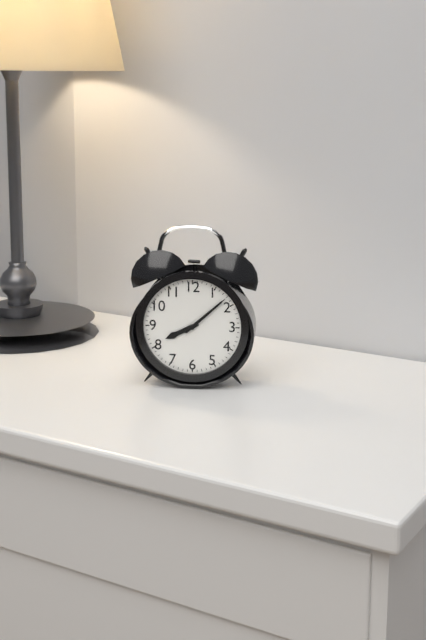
8:08
